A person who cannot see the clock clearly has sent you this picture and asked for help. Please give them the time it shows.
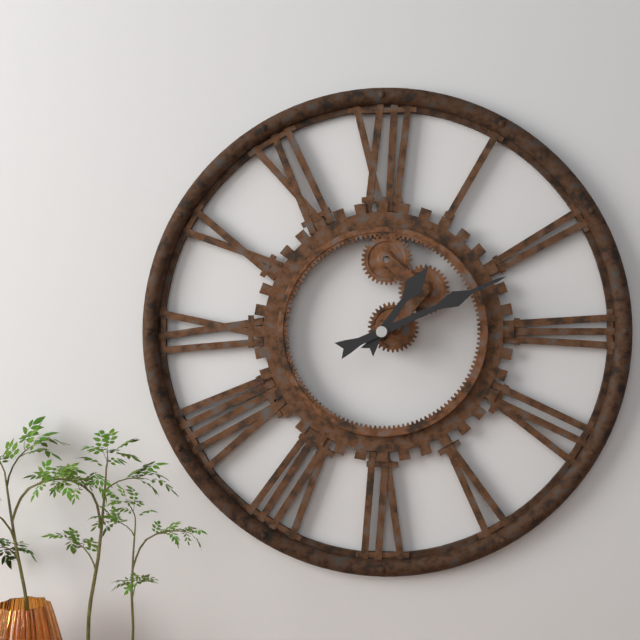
1:11
